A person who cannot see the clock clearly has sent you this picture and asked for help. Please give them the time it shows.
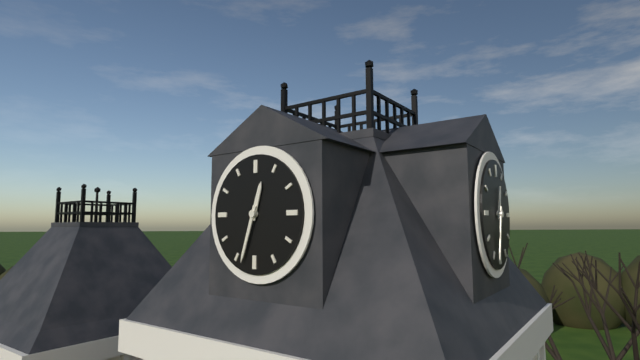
12:33
